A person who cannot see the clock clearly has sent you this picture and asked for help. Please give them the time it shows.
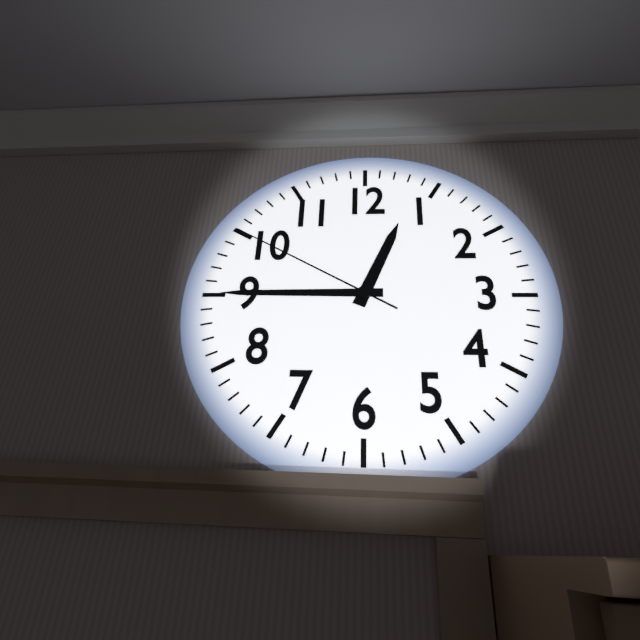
12:45:50
